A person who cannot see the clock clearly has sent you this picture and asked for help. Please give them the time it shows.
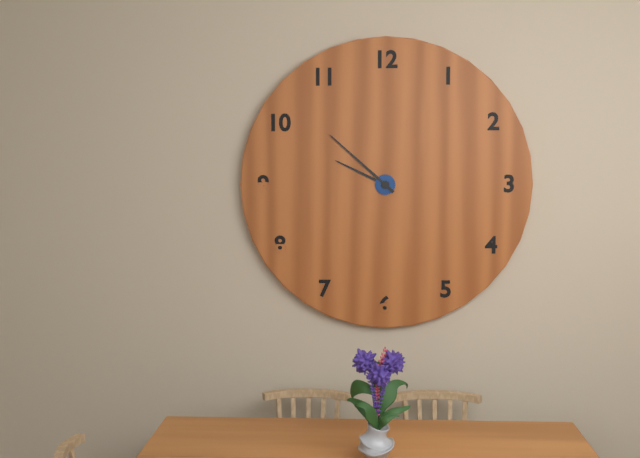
9:52
